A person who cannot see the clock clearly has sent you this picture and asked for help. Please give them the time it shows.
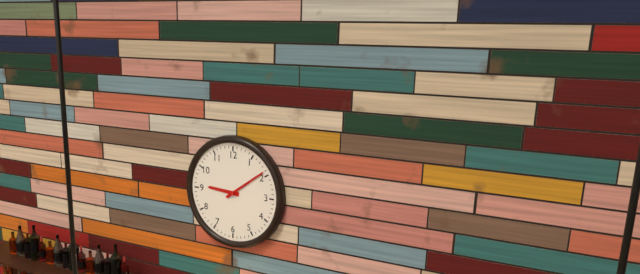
9:09
